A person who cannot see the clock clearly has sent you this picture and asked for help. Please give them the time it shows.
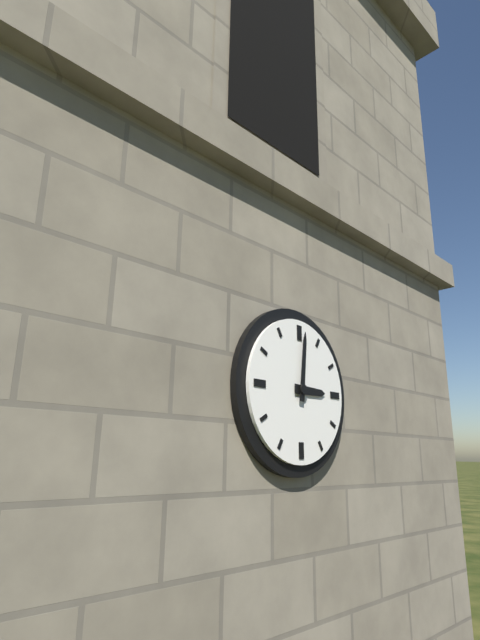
3:01
